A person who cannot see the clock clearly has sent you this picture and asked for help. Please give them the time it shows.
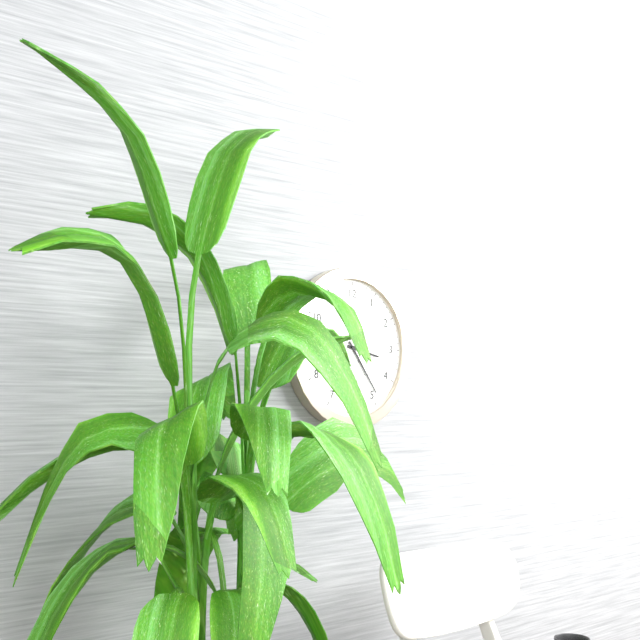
3:24:08
